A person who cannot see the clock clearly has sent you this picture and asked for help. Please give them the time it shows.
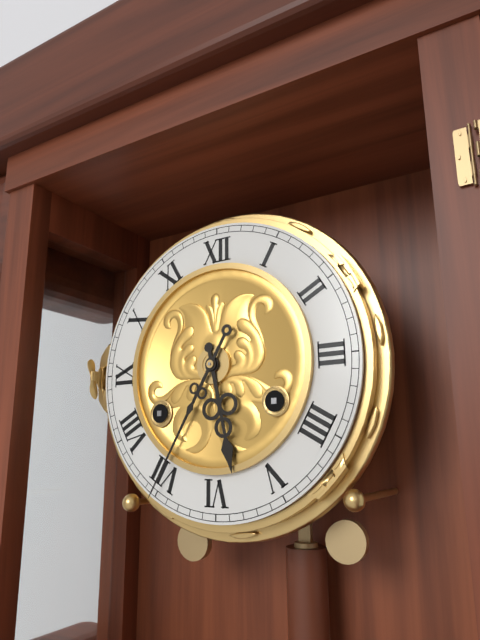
5:35
